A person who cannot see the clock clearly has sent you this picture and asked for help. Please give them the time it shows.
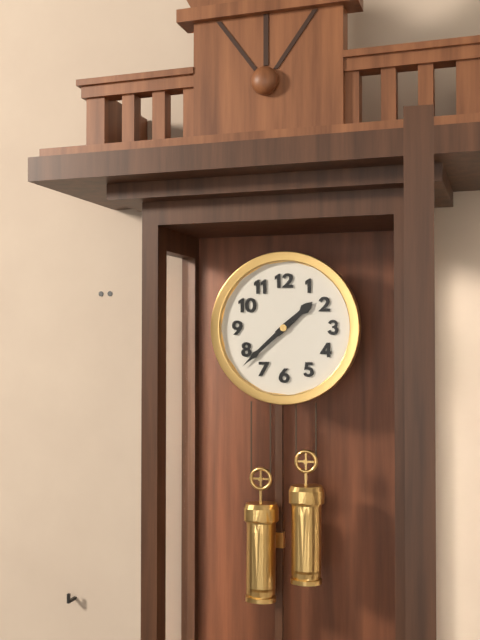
1:38
